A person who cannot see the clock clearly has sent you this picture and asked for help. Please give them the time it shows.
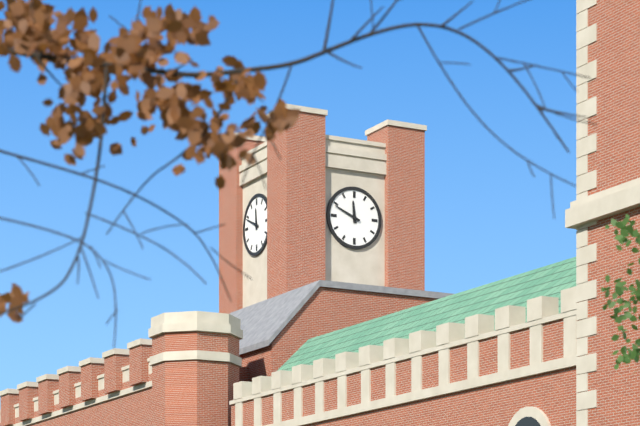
11:49
